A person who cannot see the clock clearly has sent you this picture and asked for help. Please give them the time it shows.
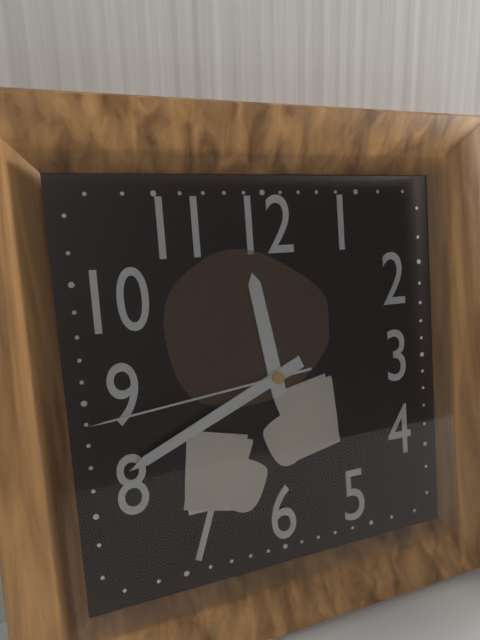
11:41:44
